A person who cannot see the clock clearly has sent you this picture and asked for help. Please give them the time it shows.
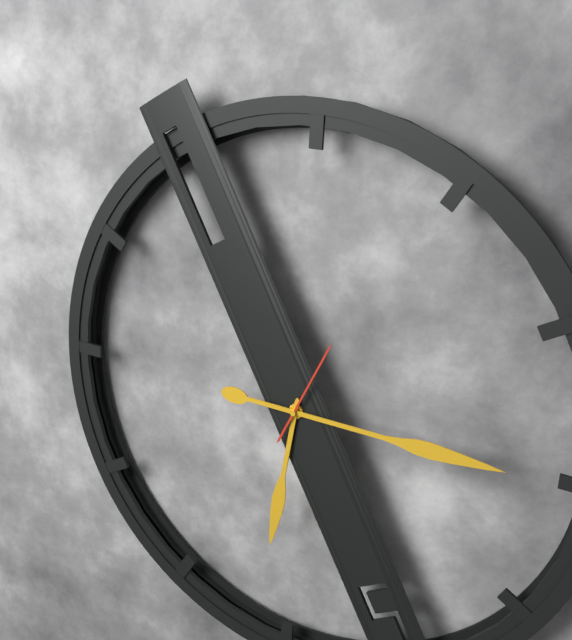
6:15:04
